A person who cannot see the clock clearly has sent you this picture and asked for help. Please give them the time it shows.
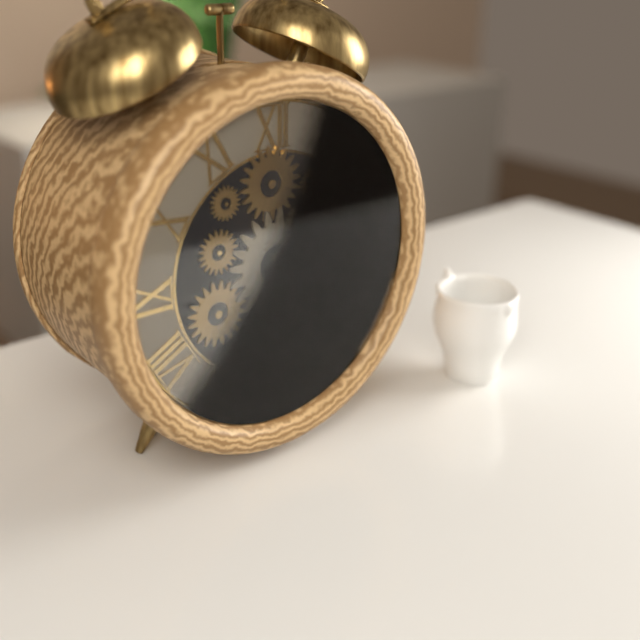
5:33
